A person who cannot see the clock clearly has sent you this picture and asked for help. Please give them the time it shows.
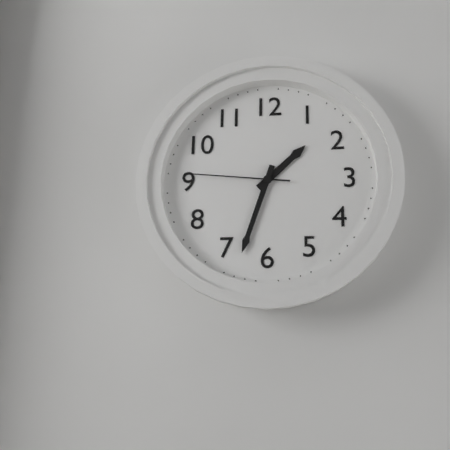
1:33:46
